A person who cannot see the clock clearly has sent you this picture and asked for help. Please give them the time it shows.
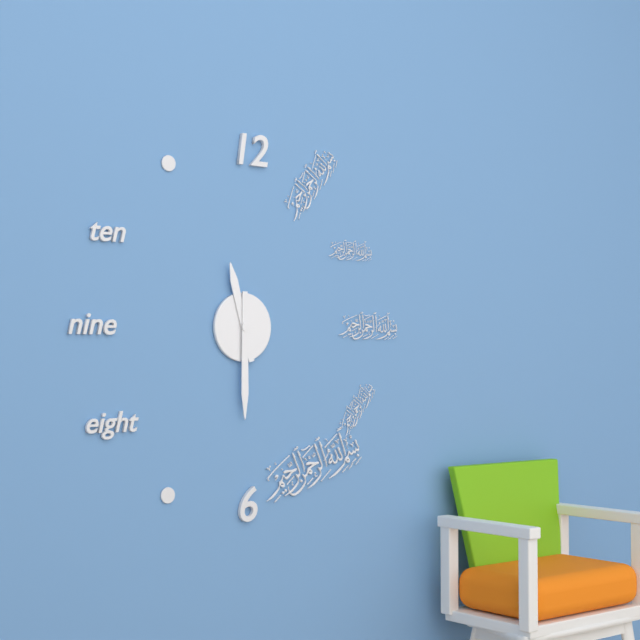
11:30
